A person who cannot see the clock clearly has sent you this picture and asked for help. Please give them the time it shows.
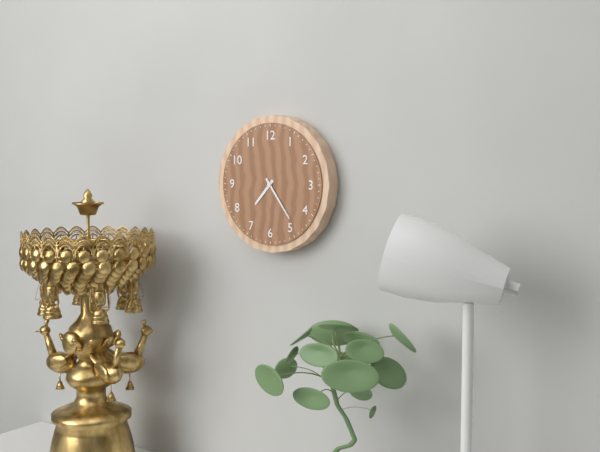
7:24
